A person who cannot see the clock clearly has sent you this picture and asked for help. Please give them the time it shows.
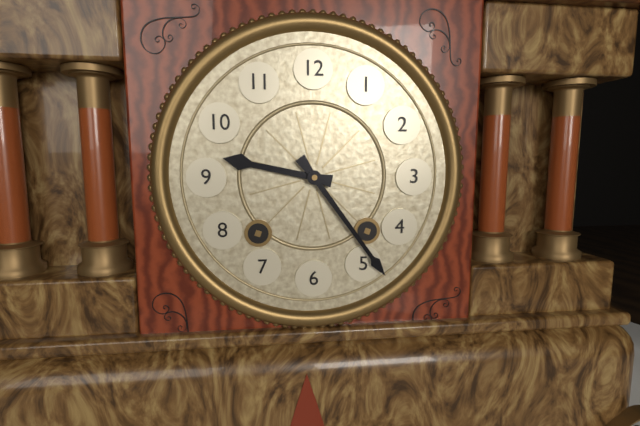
9:24
